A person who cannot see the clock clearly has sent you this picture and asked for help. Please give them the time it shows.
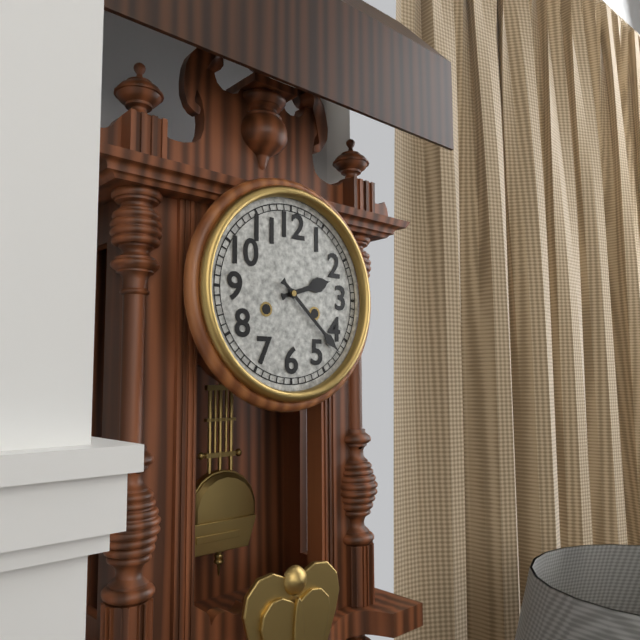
2:22
